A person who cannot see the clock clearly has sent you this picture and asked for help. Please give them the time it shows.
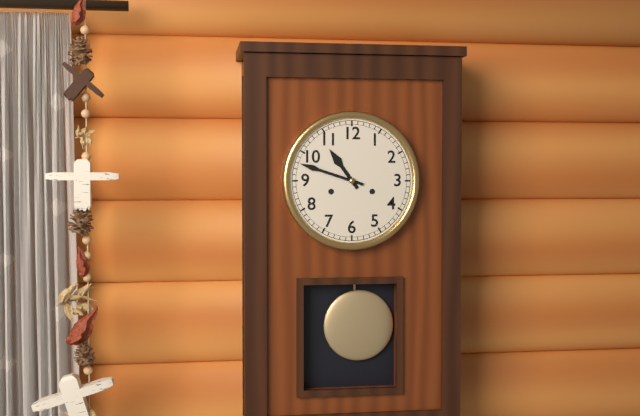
10:48
